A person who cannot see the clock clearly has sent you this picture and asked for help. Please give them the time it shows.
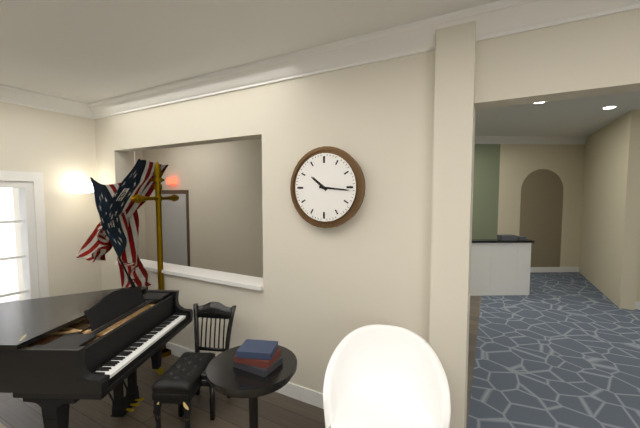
10:16
